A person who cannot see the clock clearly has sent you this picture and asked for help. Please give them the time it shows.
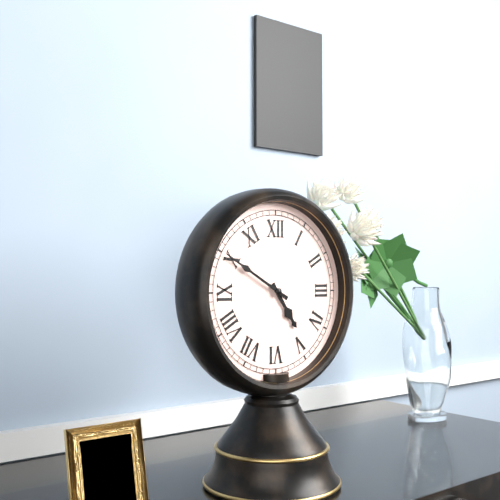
4:50
